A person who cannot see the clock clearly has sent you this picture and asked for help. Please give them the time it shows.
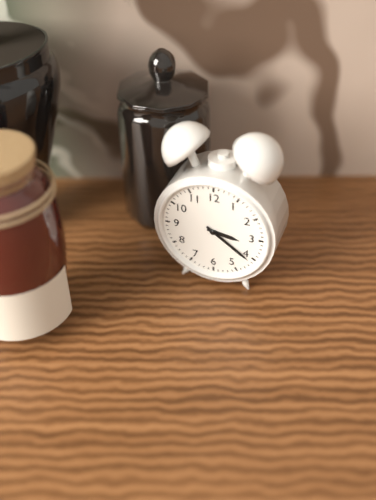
3:21
